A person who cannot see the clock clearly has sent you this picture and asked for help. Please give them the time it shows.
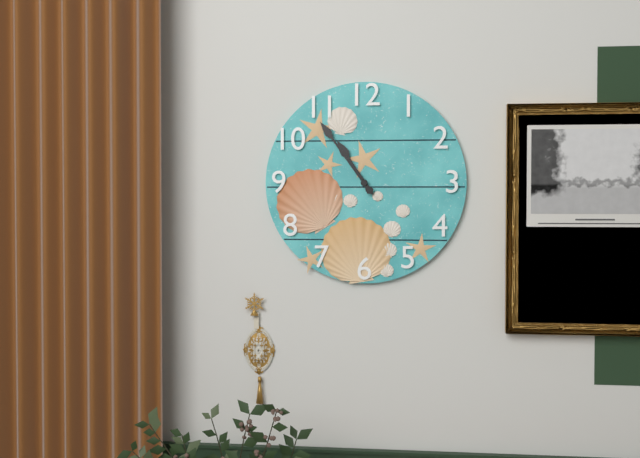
10:54
